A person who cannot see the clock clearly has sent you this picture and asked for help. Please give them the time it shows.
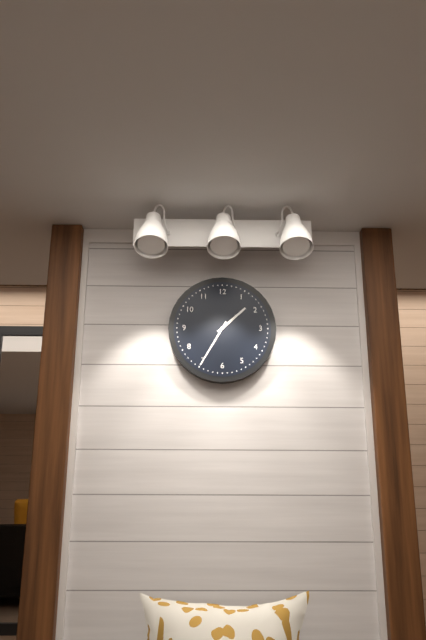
1:35
